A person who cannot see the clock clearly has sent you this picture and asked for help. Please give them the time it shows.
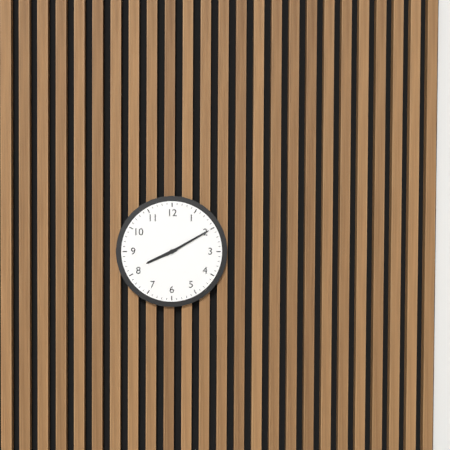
8:10
